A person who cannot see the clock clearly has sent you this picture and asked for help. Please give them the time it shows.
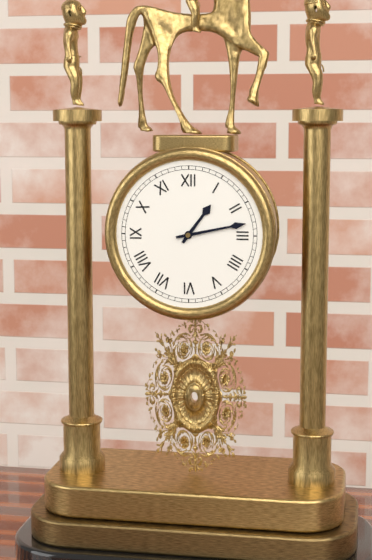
1:13
